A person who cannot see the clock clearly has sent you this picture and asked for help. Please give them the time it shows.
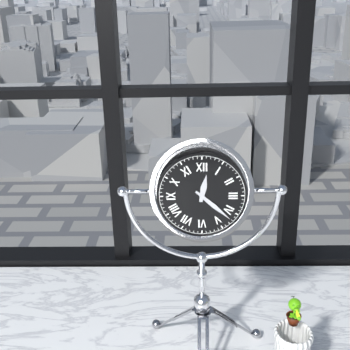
12:22
